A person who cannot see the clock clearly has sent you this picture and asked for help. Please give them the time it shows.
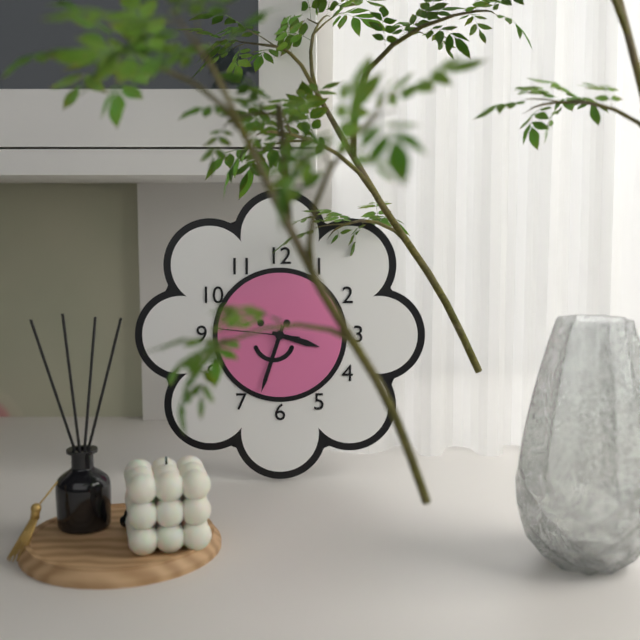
3:33:46
